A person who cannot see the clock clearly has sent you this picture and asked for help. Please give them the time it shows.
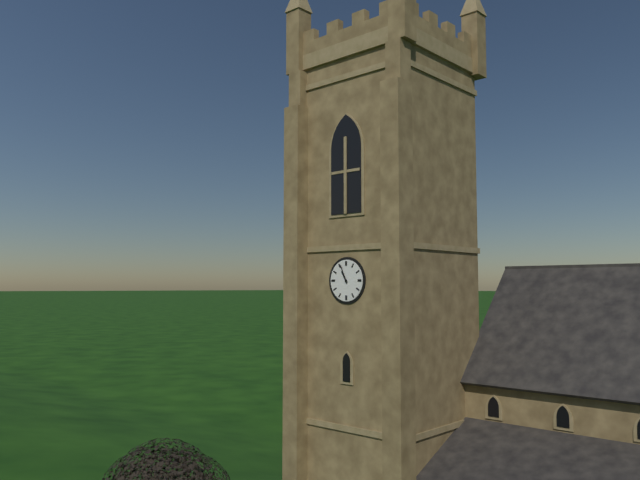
10:56
